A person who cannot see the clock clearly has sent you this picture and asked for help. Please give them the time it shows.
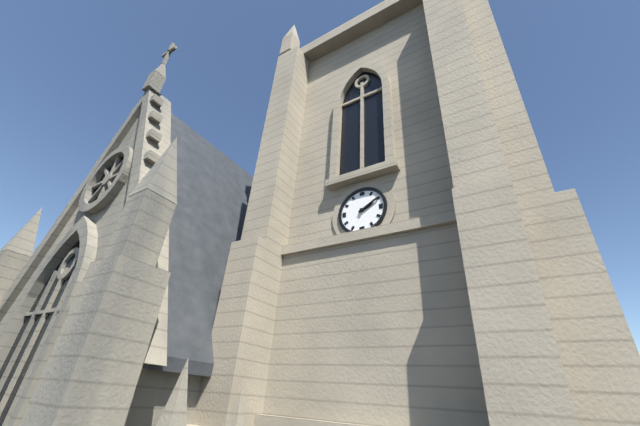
2:10
